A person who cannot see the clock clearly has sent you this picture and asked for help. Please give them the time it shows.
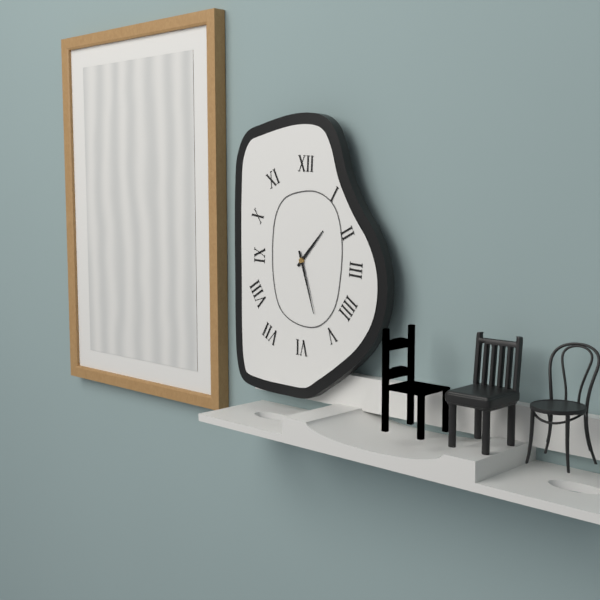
1:27
